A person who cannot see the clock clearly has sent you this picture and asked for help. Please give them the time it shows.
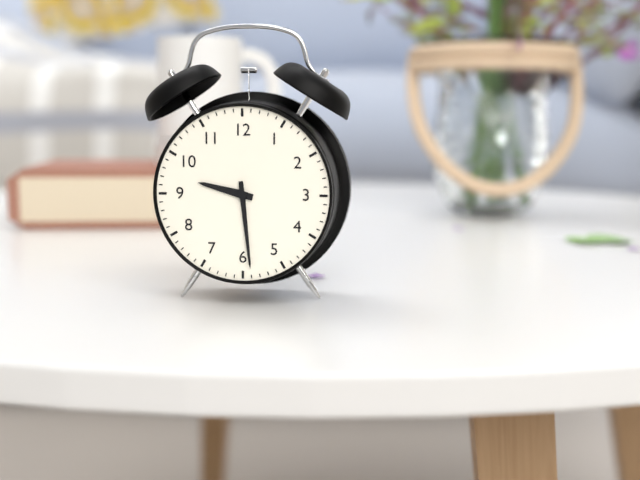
9:29
